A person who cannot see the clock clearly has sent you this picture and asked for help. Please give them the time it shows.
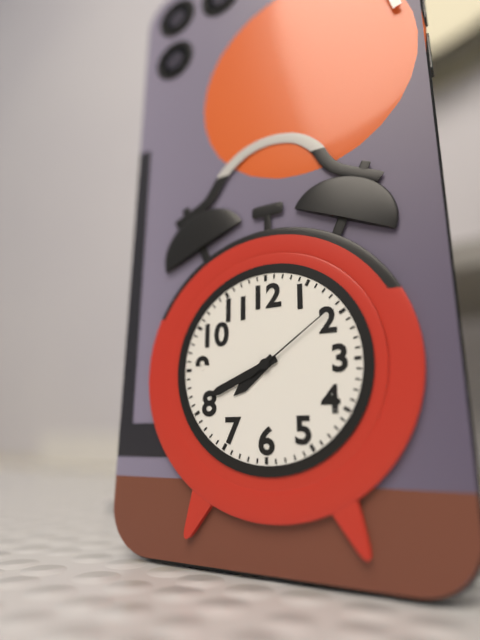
7:41:09
